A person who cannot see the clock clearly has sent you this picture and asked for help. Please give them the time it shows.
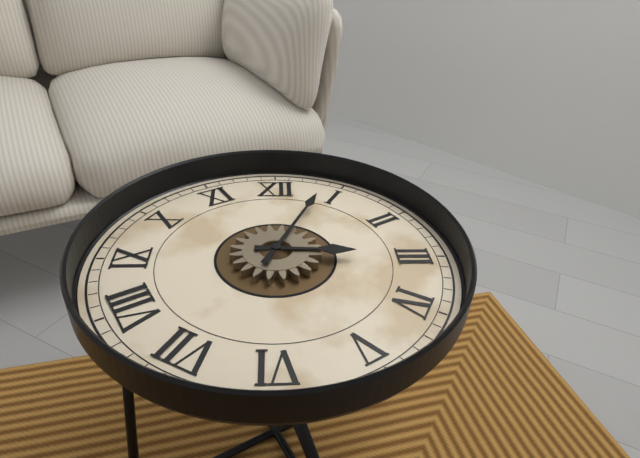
3:04
